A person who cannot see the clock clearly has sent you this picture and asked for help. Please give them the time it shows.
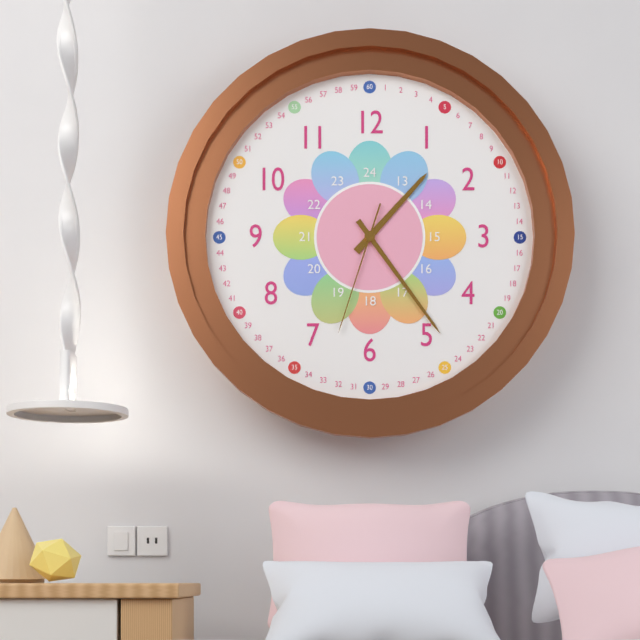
1:24:33
